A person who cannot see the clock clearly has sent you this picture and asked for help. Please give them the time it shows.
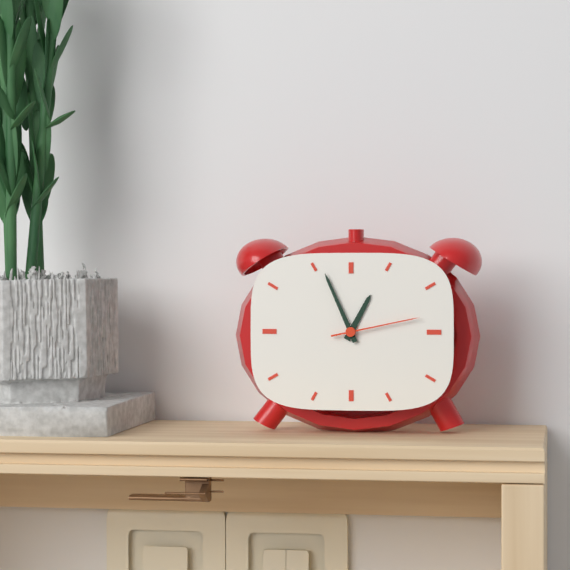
12:56:13
